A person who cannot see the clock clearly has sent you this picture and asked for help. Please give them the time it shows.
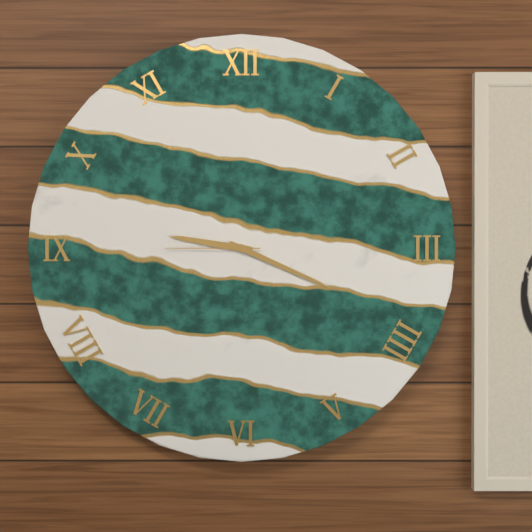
9:19:45
